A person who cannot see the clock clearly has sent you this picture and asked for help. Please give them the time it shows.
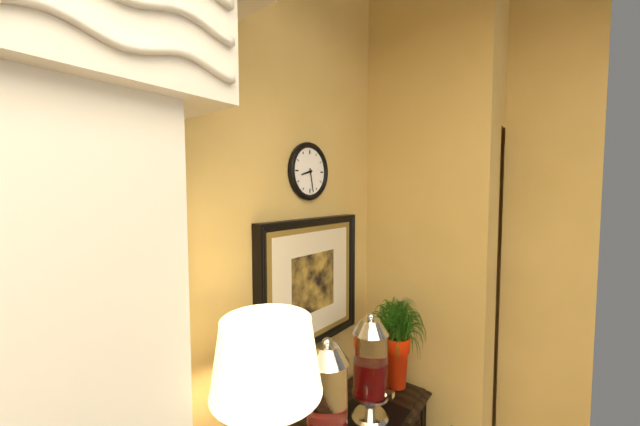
8:28
